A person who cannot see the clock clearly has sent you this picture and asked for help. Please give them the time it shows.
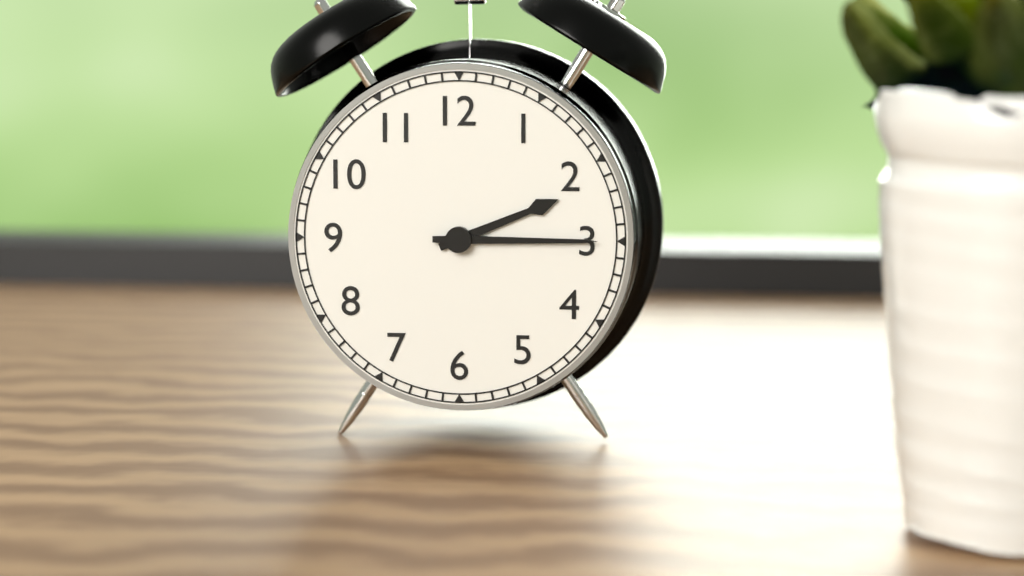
2:15
